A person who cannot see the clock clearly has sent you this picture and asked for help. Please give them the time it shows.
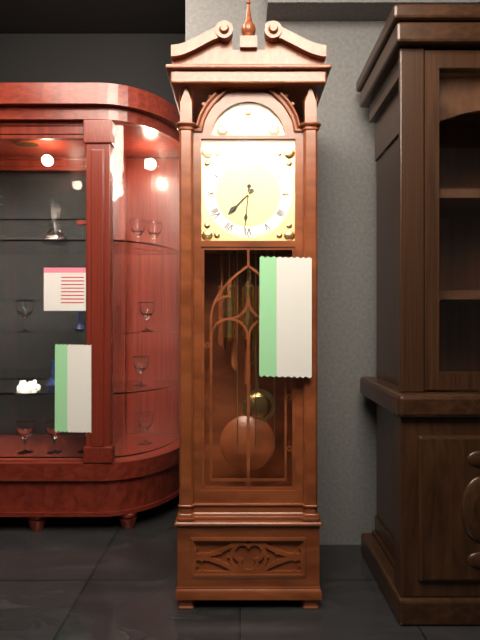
7:31
